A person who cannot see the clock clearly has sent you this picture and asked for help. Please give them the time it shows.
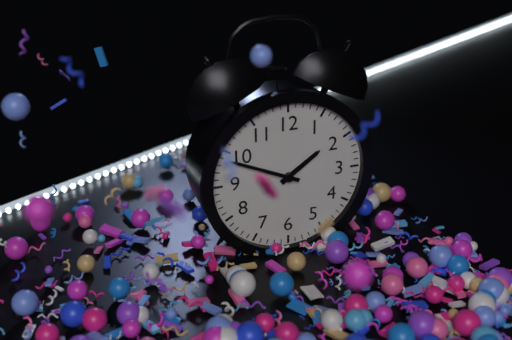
1:49
